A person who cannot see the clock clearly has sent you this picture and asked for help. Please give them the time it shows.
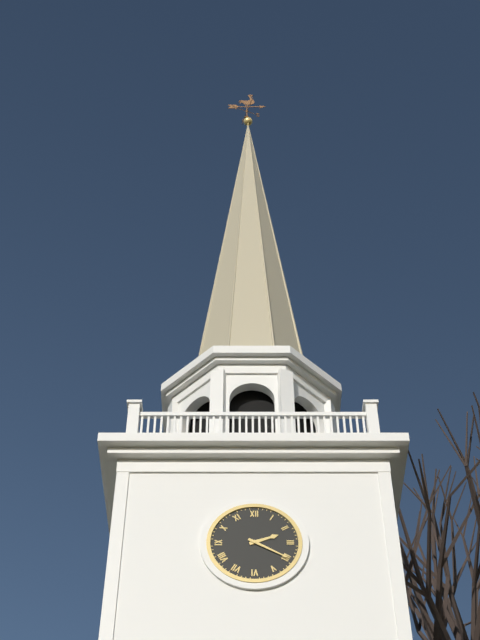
2:20
